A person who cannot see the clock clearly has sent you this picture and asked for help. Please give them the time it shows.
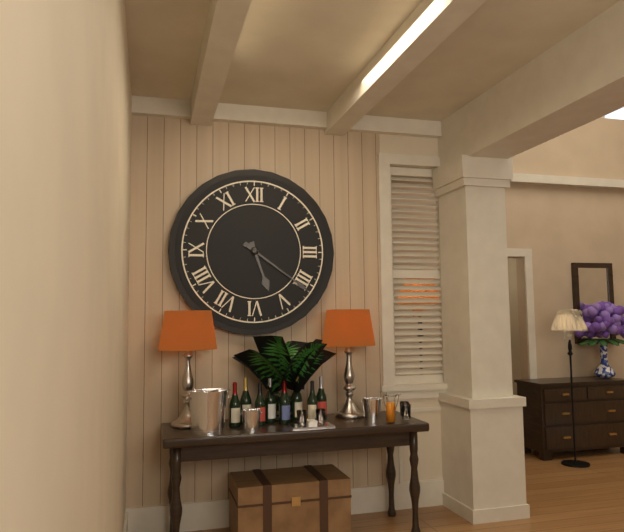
5:21
